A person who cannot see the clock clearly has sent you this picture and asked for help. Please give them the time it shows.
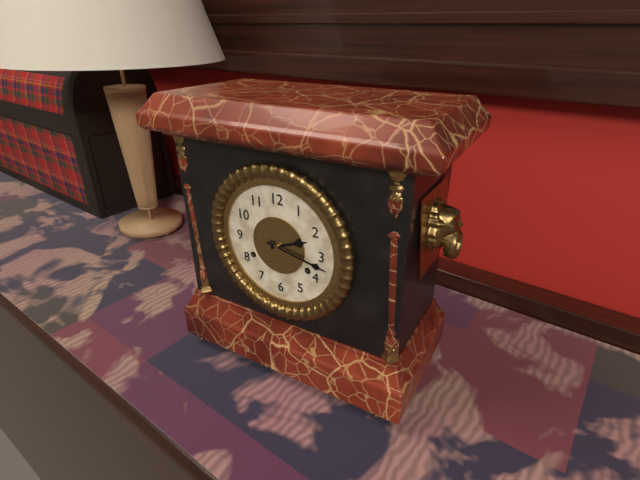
2:17
